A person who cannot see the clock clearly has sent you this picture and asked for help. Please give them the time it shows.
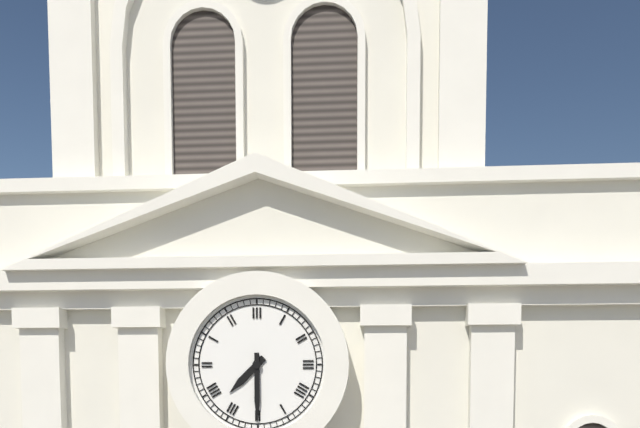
7:30
